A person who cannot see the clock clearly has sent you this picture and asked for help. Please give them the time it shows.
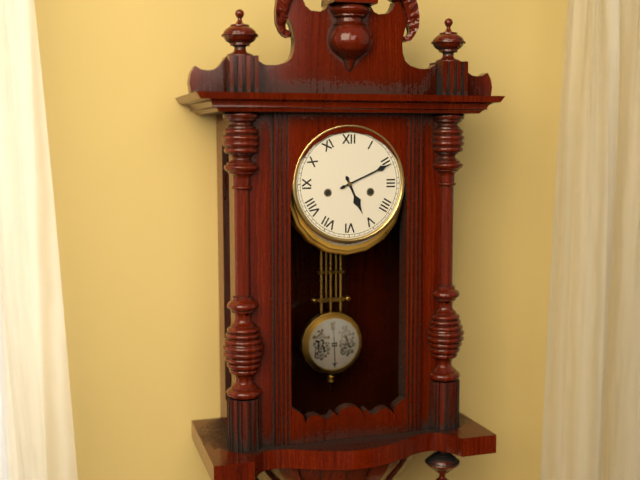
5:11
